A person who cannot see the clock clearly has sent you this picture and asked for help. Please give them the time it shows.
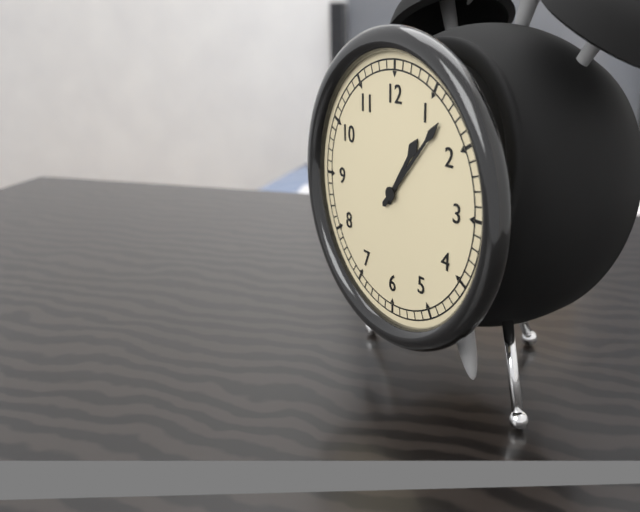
1:07
